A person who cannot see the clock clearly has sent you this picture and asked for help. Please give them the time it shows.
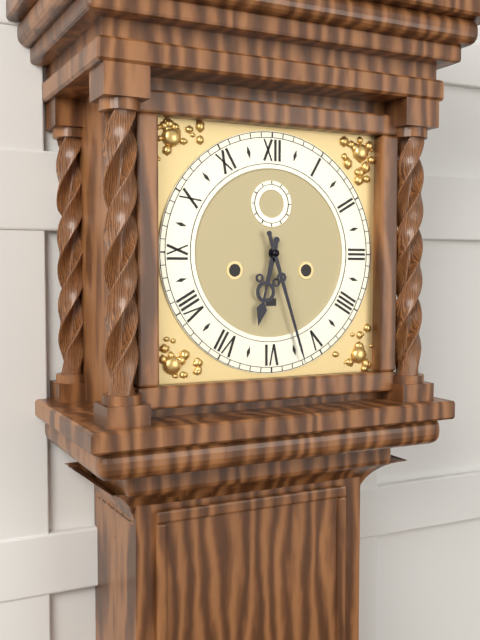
6:27
